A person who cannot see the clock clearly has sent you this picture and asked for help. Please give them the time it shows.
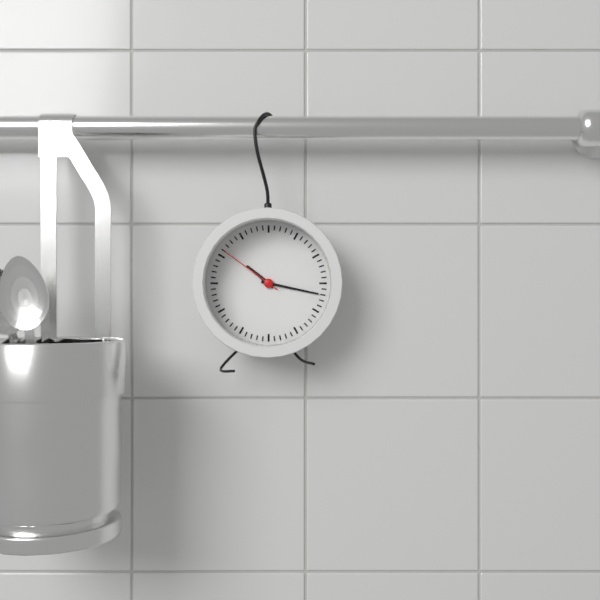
10:17:51
